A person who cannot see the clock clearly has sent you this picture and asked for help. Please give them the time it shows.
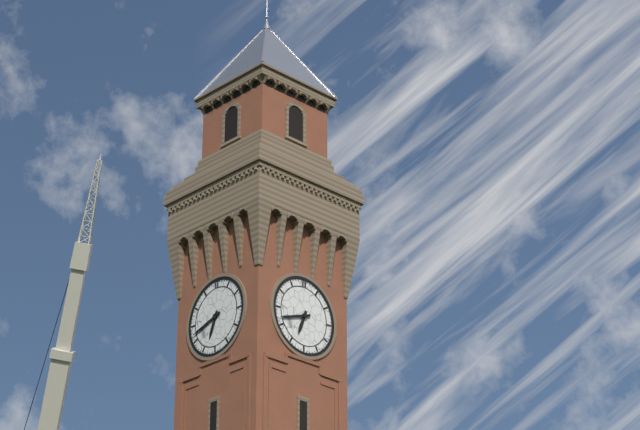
6:42
